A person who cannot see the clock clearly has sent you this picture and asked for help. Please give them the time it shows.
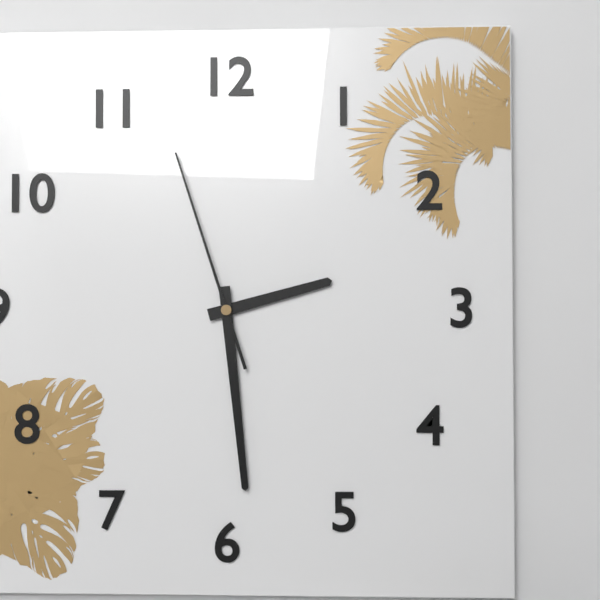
2:29:57
